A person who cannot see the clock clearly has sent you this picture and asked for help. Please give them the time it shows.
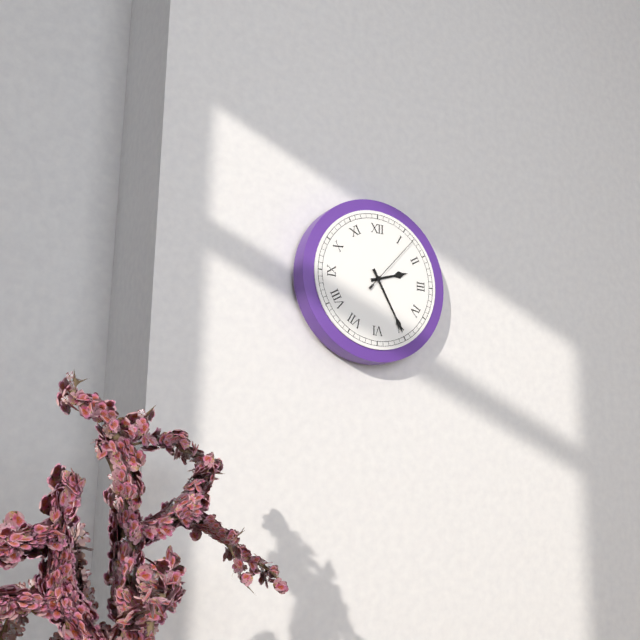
2:25:07
